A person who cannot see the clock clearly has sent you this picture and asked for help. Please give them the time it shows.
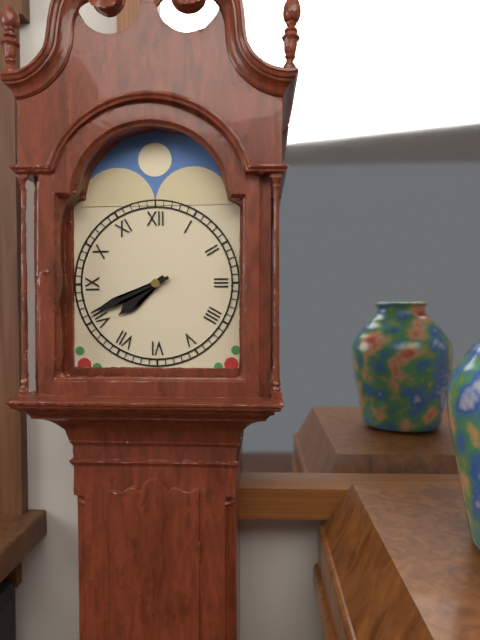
7:41
